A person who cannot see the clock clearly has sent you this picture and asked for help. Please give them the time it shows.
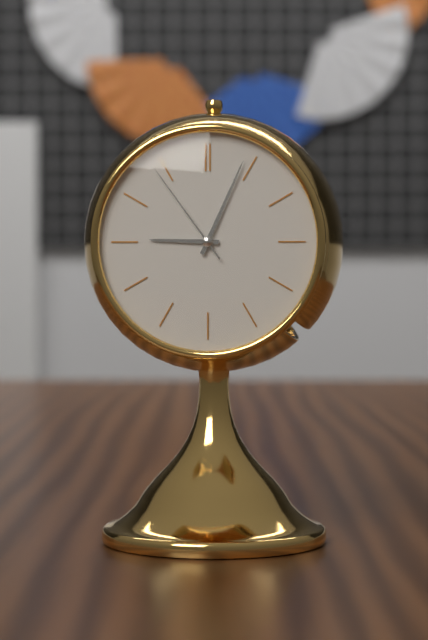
9:04:54
